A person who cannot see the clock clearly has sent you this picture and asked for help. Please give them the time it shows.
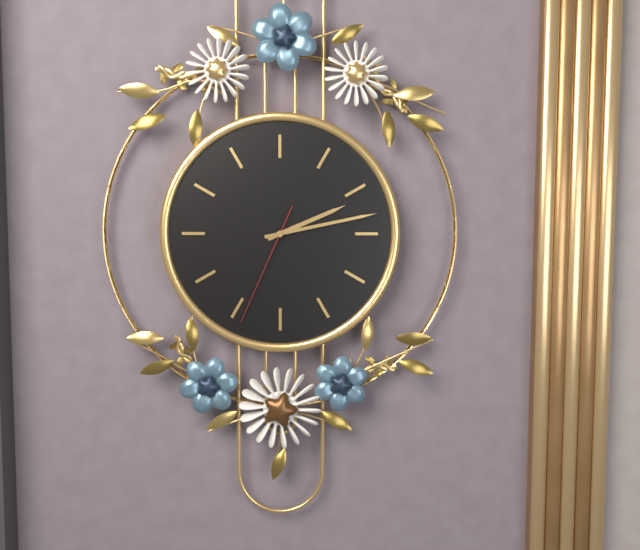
2:13:34
